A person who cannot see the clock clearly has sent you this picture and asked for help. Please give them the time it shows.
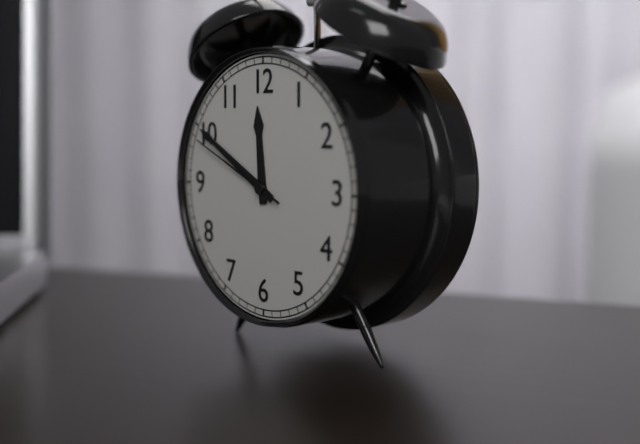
11:50:49
